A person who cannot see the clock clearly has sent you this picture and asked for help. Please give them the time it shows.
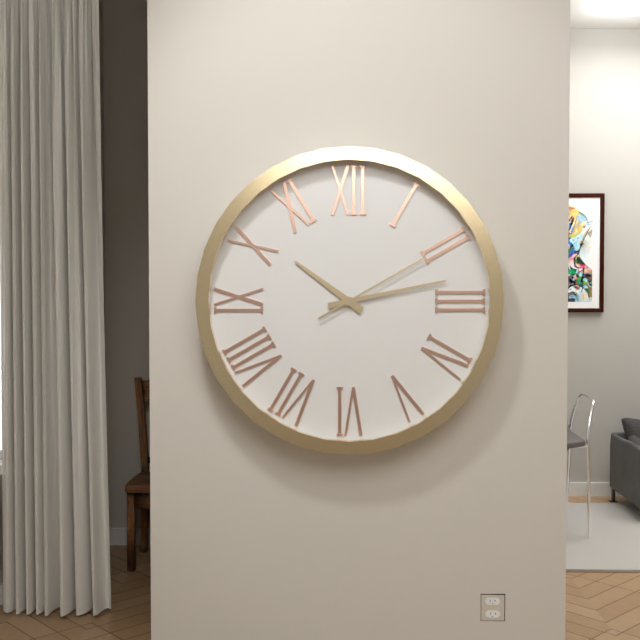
10:13:10
